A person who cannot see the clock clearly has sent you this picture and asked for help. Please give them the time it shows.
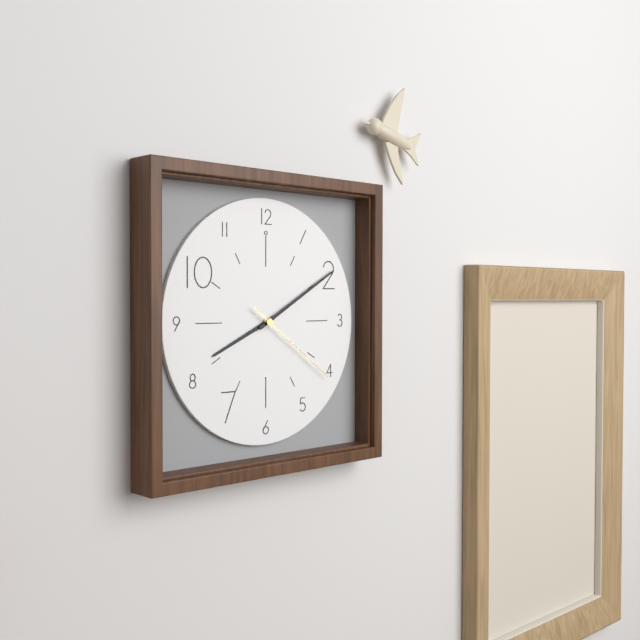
8:10:21
